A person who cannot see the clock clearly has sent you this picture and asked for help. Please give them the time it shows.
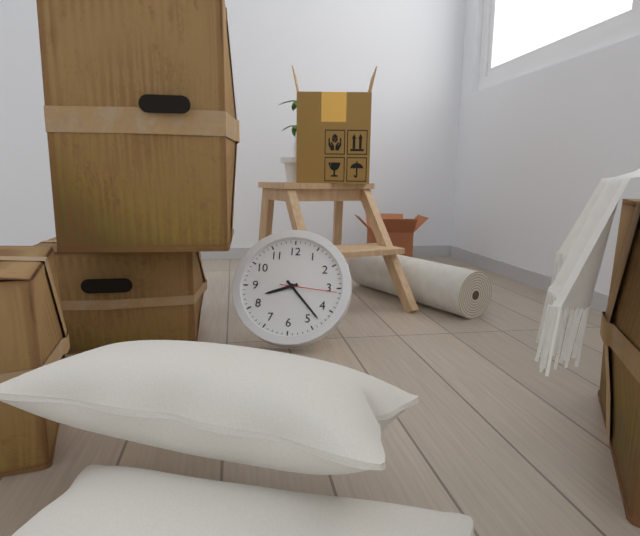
8:23:16
